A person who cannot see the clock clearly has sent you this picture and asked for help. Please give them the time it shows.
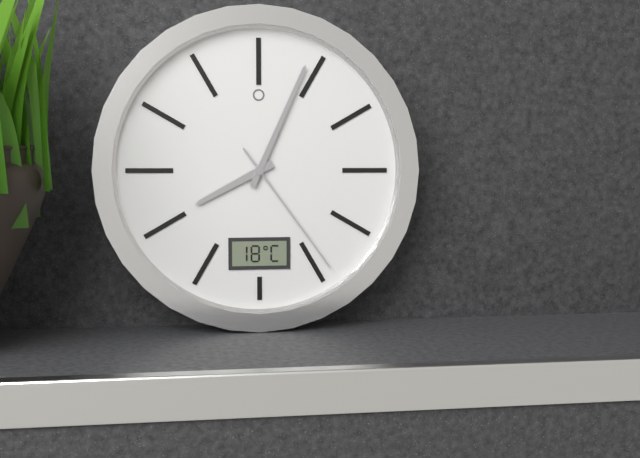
8:04:24
